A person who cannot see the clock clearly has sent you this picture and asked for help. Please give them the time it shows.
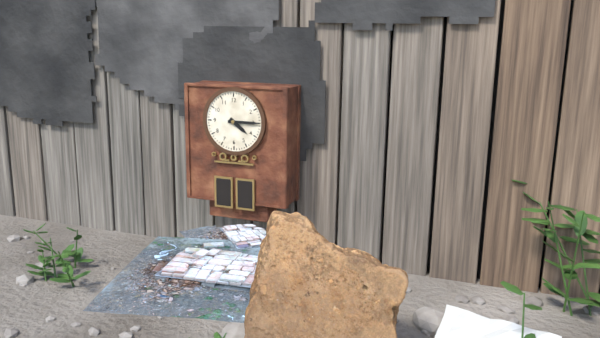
4:15
